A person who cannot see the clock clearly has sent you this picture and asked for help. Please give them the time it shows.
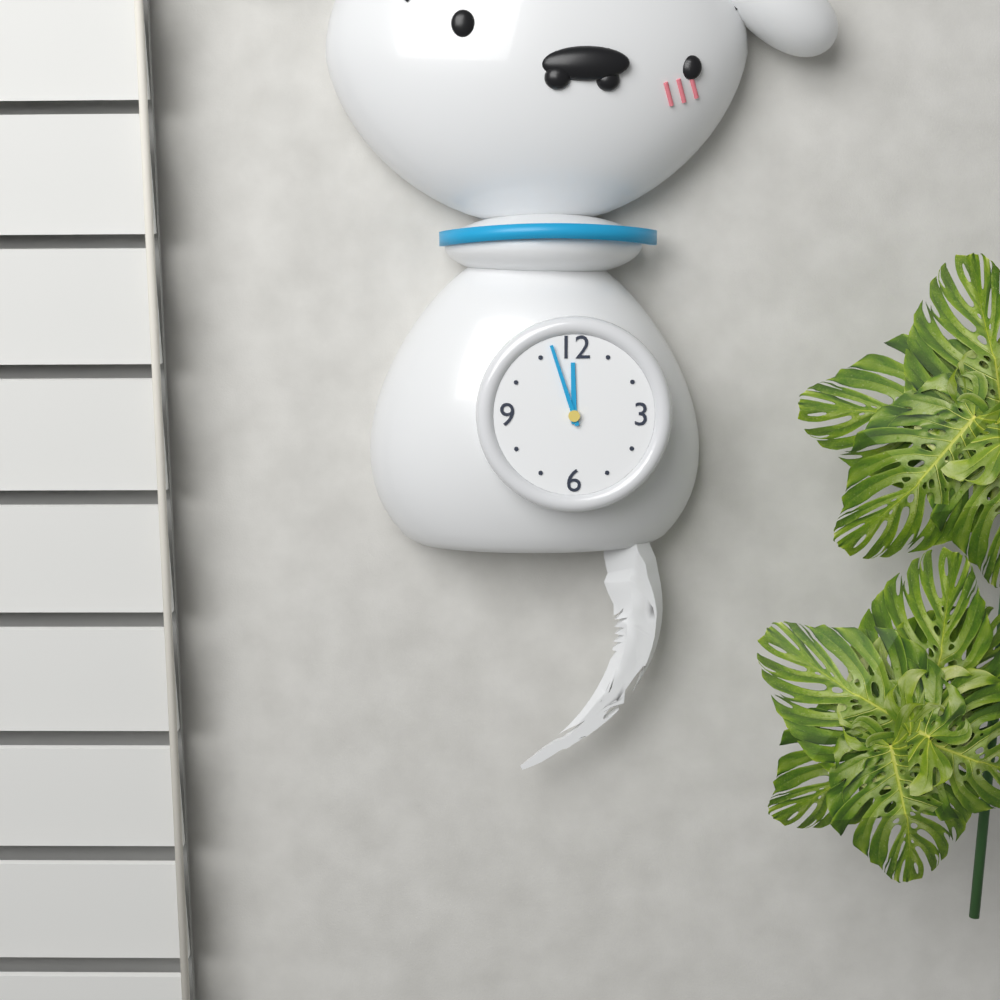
11:57
